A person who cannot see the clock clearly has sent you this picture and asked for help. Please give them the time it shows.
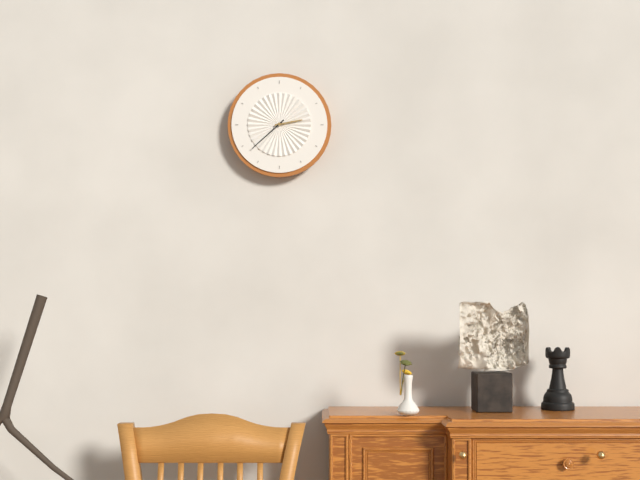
2:38
